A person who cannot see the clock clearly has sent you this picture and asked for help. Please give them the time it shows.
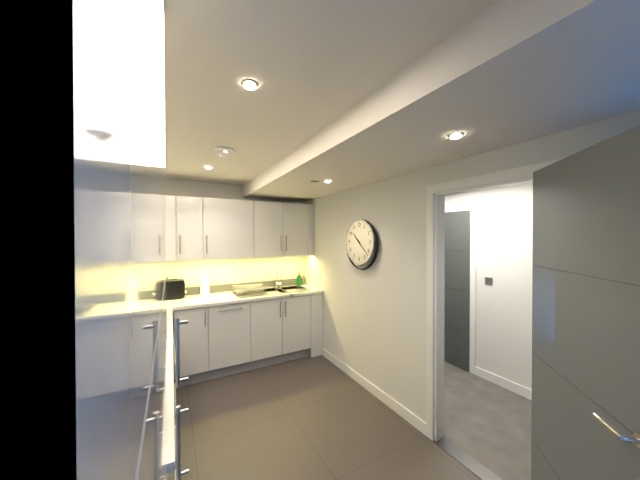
10:22
